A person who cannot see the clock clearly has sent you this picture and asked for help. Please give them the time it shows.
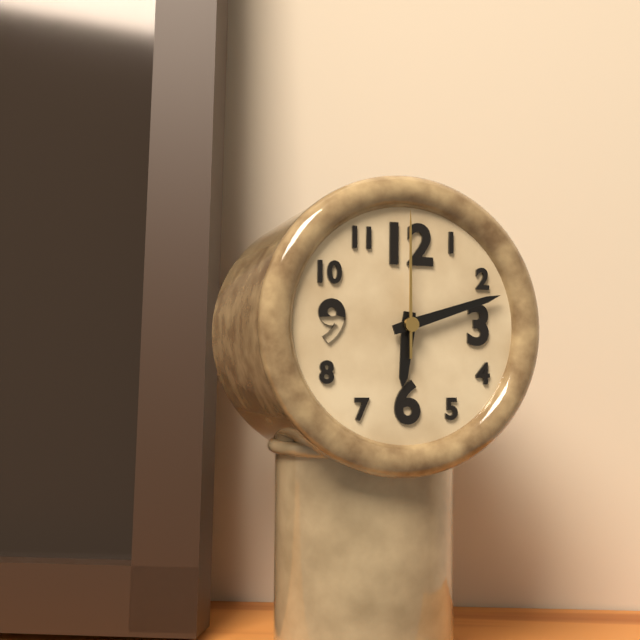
6:12:00
